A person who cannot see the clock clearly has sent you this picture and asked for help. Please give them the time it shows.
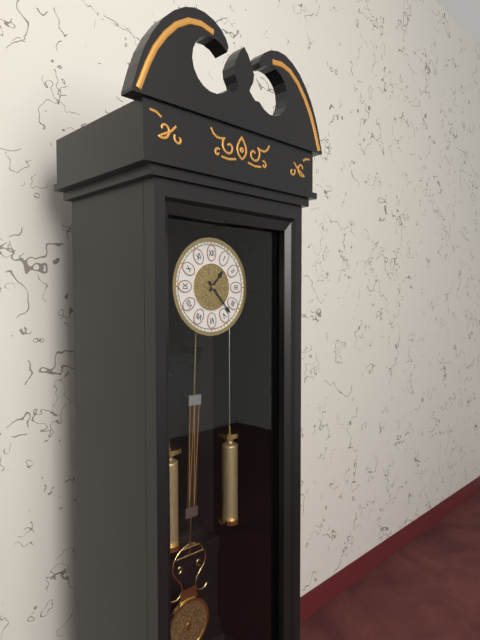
1:23
